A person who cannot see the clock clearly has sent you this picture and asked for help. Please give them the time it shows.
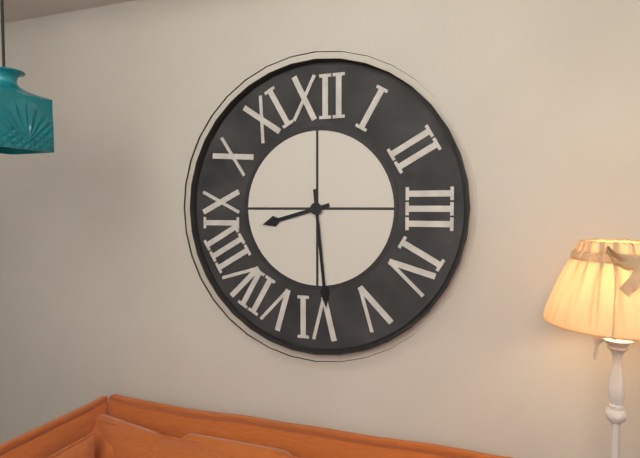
8:29
